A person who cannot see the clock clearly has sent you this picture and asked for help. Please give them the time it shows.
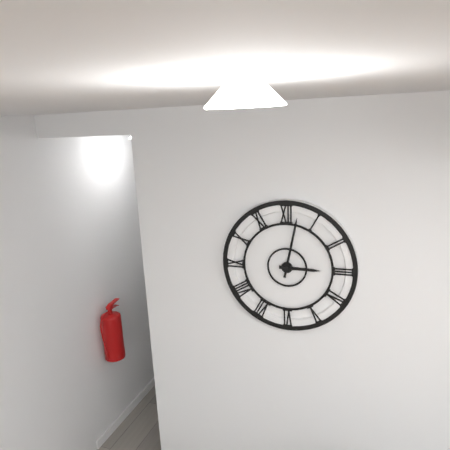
3:02
